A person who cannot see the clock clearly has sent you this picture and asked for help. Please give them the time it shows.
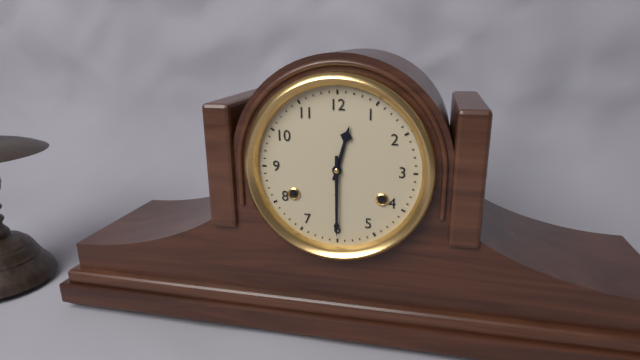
12:30
